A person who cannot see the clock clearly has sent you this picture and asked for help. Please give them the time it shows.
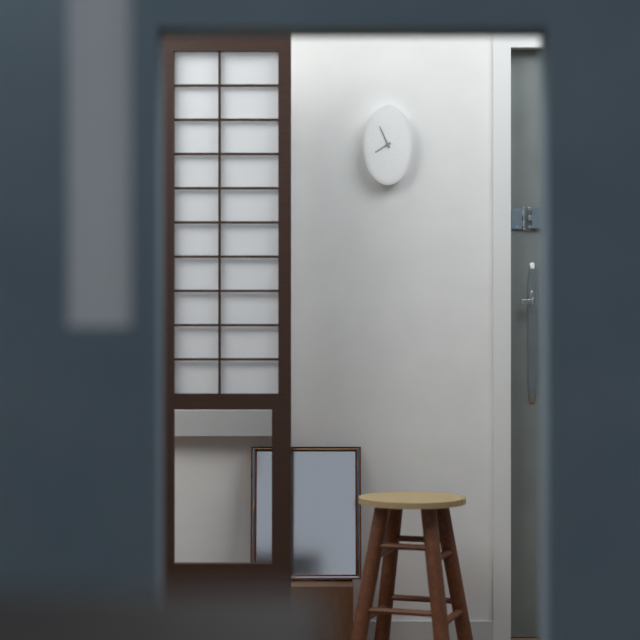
7:56
